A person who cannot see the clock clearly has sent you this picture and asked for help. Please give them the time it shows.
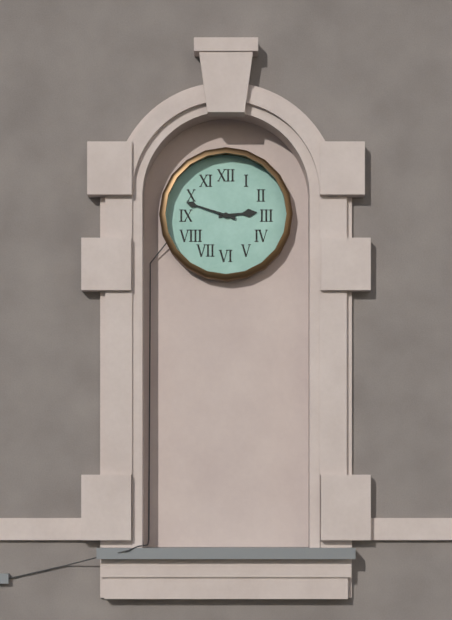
2:48
